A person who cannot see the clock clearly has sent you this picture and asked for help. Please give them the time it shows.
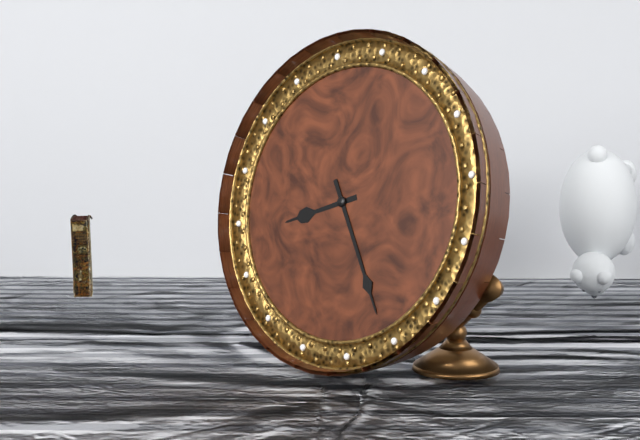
8:25
